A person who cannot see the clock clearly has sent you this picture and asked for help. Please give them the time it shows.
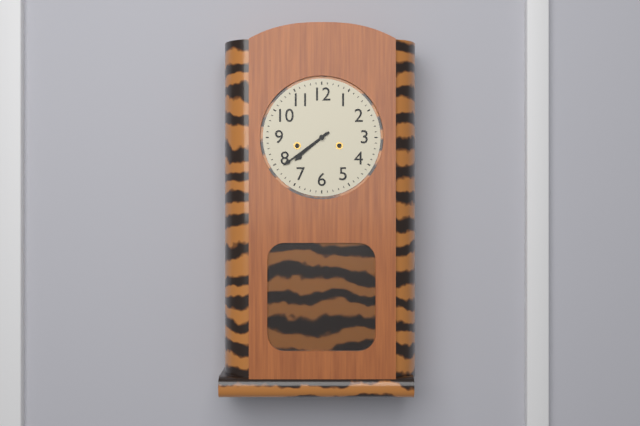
7:39
